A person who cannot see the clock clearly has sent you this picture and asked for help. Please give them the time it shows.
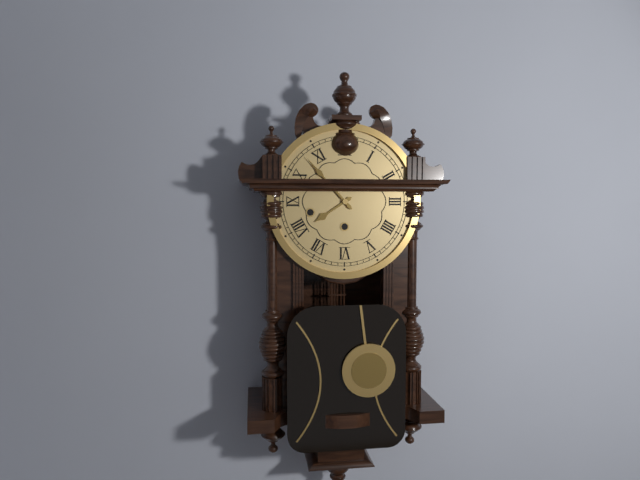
7:53
